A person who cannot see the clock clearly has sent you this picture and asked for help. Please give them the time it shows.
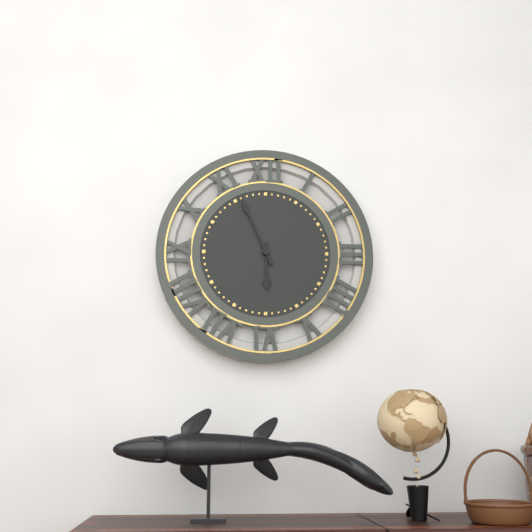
5:56
